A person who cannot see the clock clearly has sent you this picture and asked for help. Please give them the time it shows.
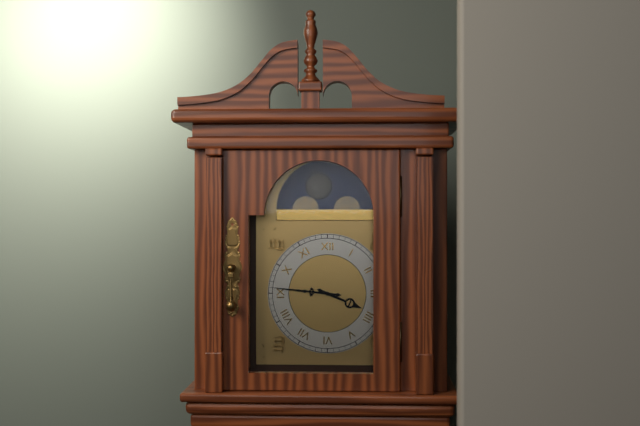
3:46
